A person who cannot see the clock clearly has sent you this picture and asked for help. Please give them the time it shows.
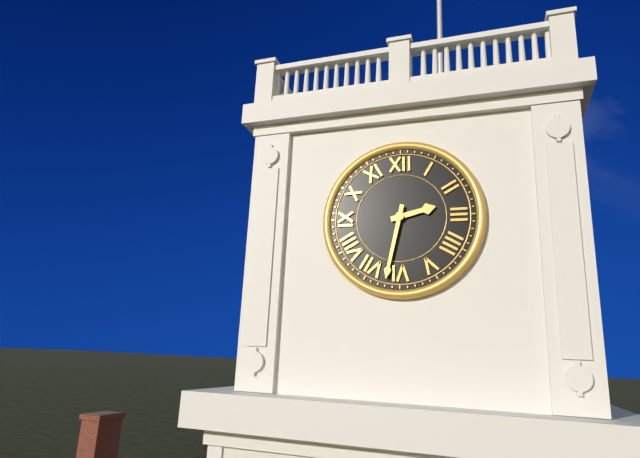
2:32
